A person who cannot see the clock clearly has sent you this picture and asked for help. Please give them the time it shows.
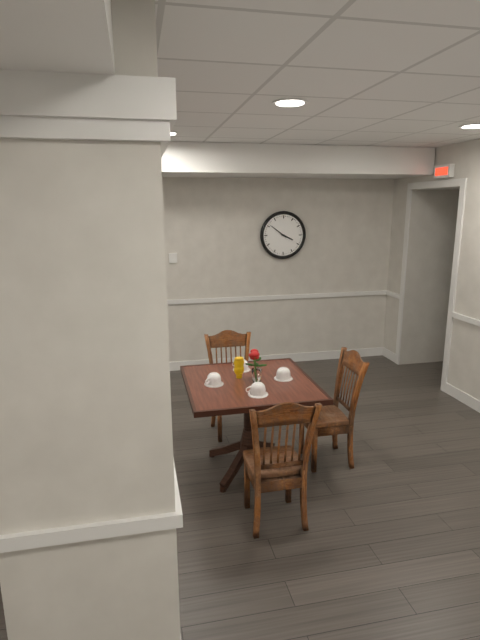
3:51
